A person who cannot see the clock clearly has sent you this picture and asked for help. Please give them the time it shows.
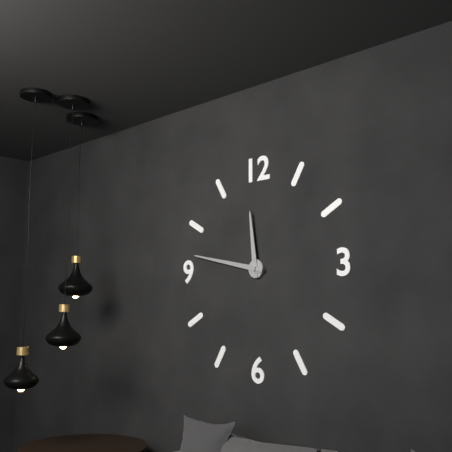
11:47
